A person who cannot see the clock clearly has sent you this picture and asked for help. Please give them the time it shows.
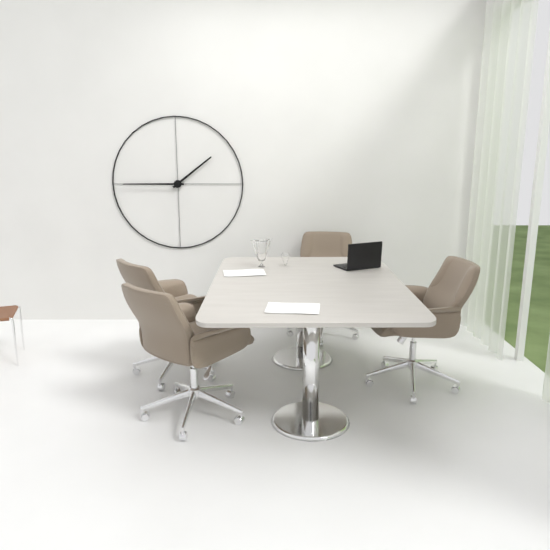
1:45
